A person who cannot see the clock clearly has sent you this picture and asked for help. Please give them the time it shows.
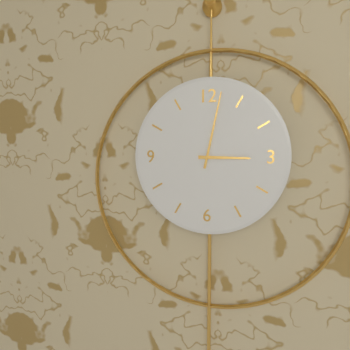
3:02
